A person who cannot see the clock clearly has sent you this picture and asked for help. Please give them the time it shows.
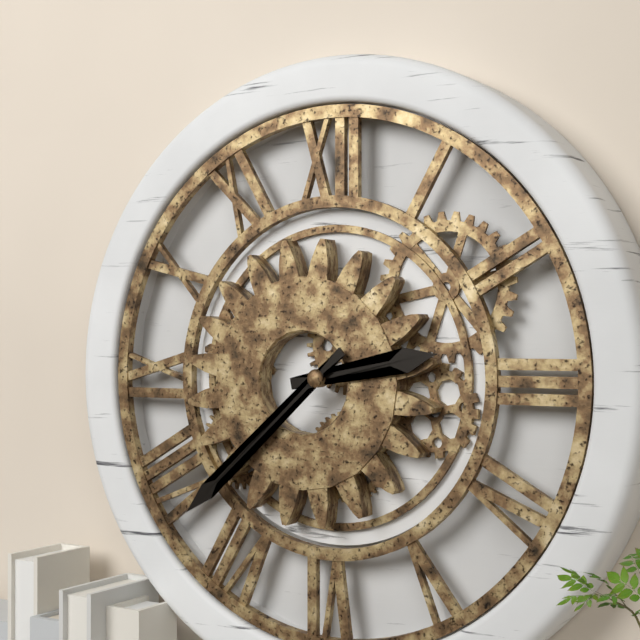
2:38
